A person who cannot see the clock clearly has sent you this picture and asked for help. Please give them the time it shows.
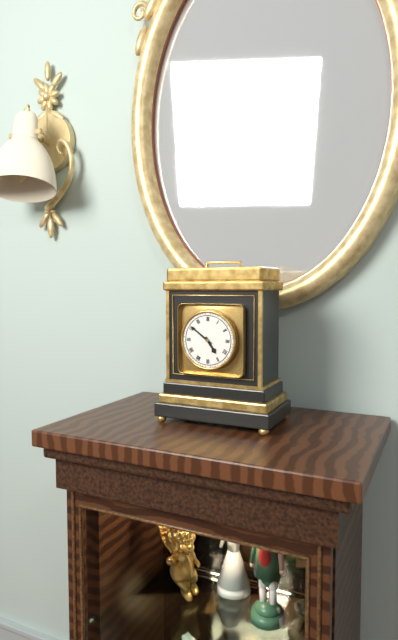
4:51
